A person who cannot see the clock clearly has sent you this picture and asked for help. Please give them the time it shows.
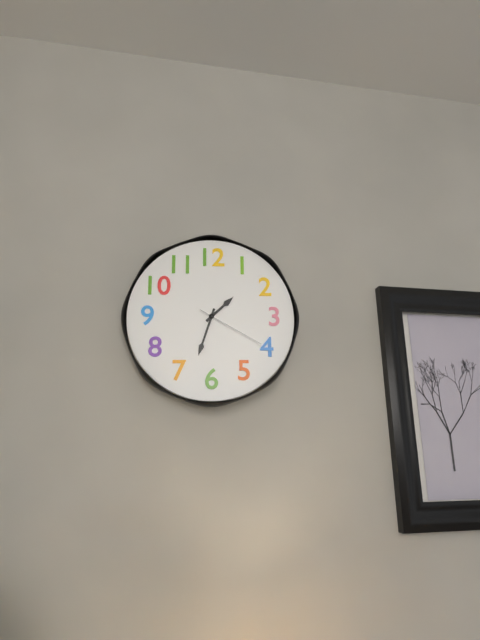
1:33:20
